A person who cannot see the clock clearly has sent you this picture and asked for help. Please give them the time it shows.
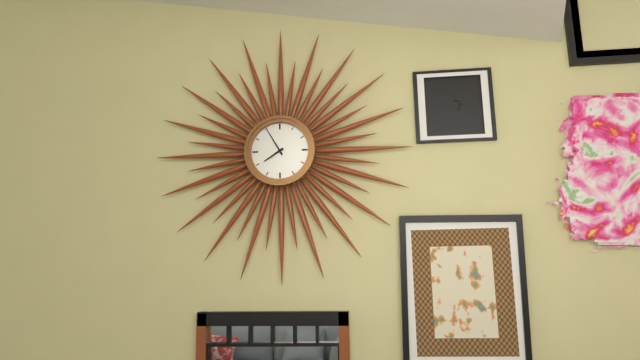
7:55
